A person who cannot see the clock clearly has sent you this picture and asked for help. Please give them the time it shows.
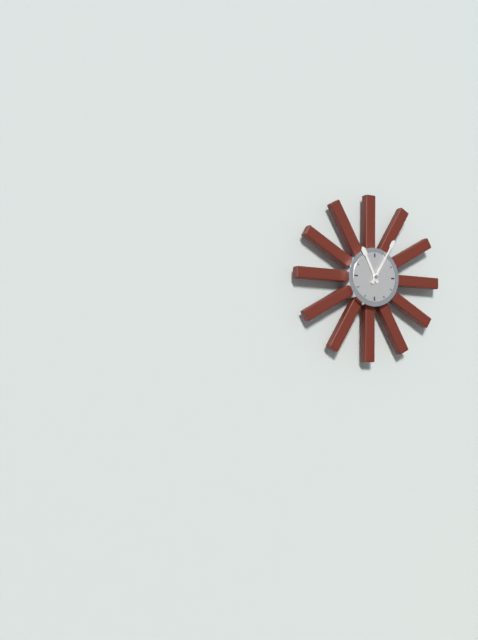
11:05
